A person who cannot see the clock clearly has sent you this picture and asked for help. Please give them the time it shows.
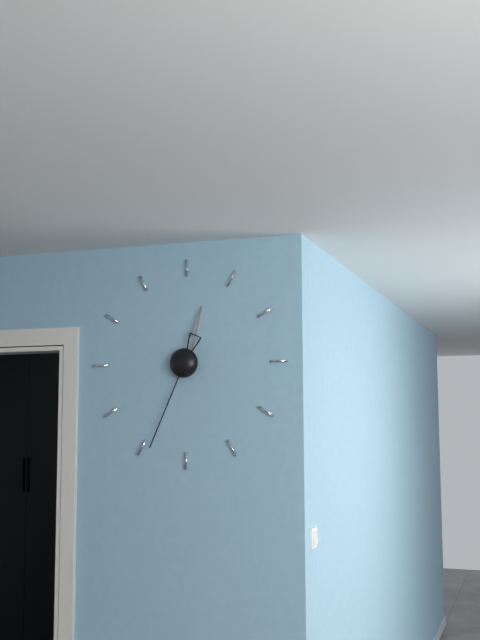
12:34
